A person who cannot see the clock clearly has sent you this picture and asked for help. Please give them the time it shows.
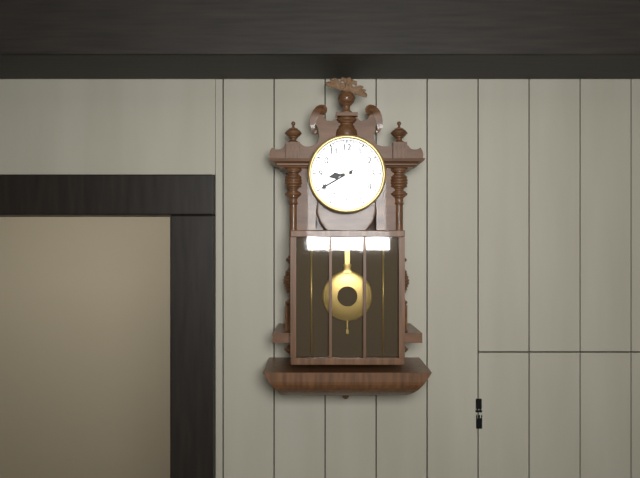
8:40
